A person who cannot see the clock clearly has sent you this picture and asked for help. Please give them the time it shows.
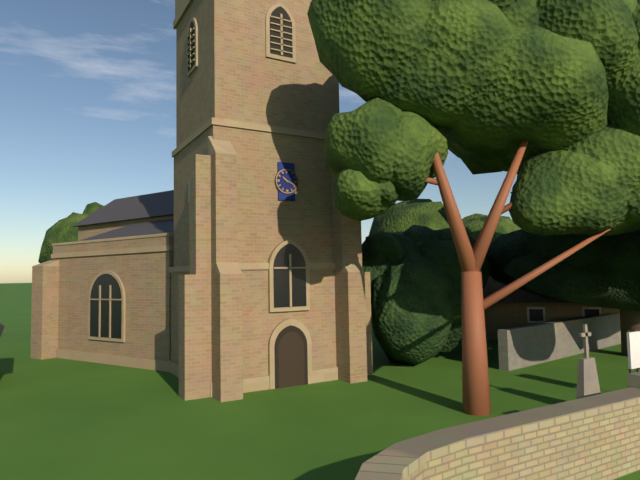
10:19
